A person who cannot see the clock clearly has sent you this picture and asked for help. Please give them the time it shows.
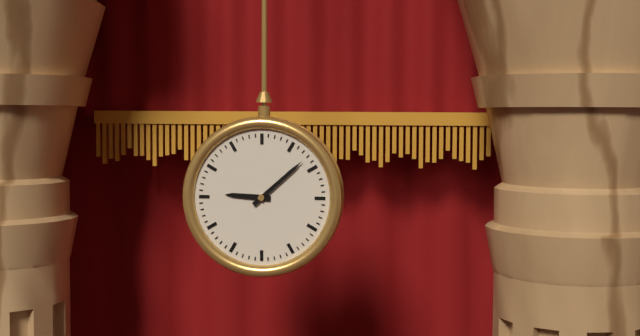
9:08
